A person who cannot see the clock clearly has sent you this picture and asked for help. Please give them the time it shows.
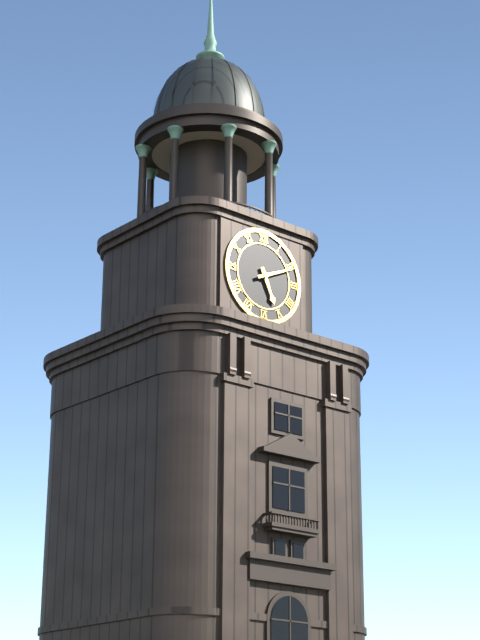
5:11
